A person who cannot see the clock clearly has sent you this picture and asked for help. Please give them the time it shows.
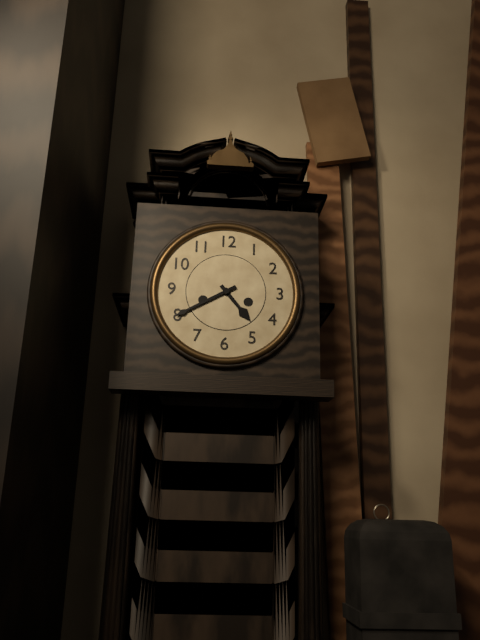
4:40
